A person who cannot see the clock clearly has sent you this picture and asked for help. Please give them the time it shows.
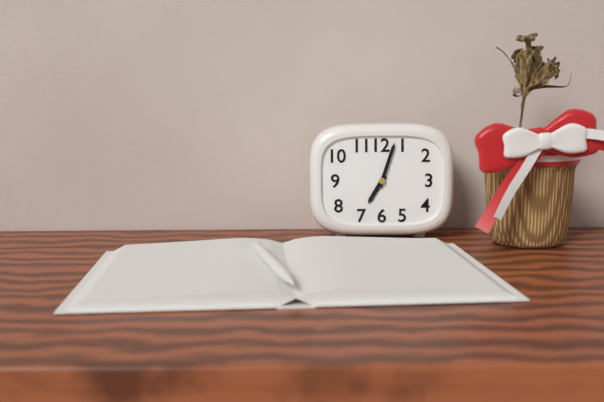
7:03
